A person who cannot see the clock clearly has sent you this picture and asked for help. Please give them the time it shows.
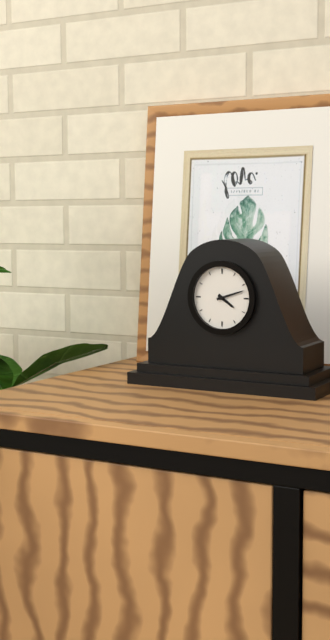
4:12
